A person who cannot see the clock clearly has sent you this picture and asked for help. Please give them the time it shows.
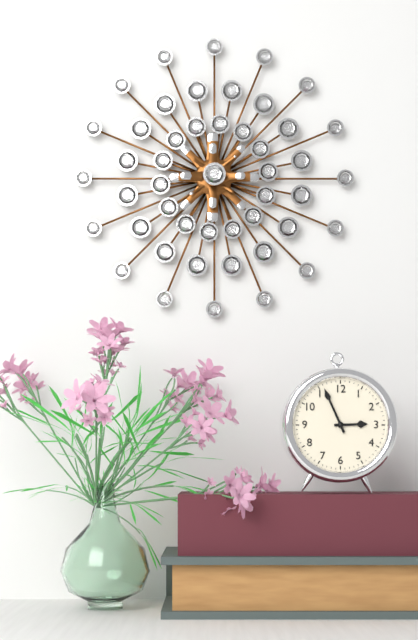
2:56
